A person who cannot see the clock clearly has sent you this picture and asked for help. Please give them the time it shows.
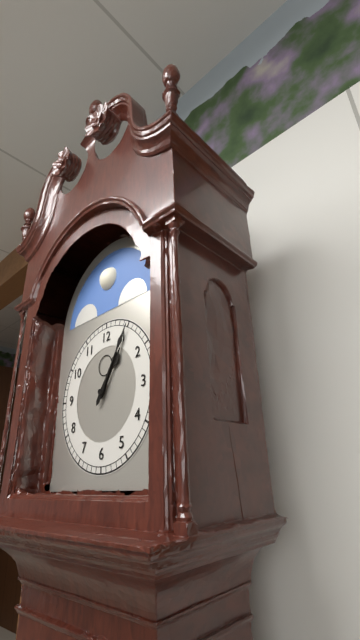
1:05
